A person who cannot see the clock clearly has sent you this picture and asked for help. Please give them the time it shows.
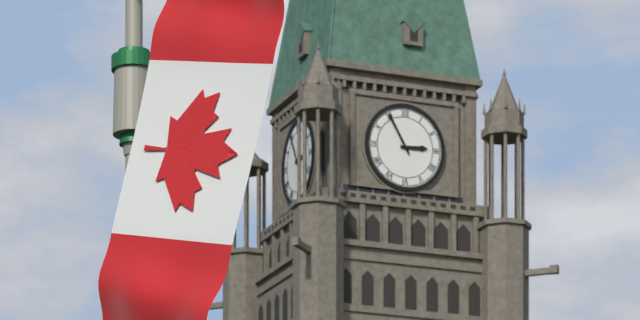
2:55
